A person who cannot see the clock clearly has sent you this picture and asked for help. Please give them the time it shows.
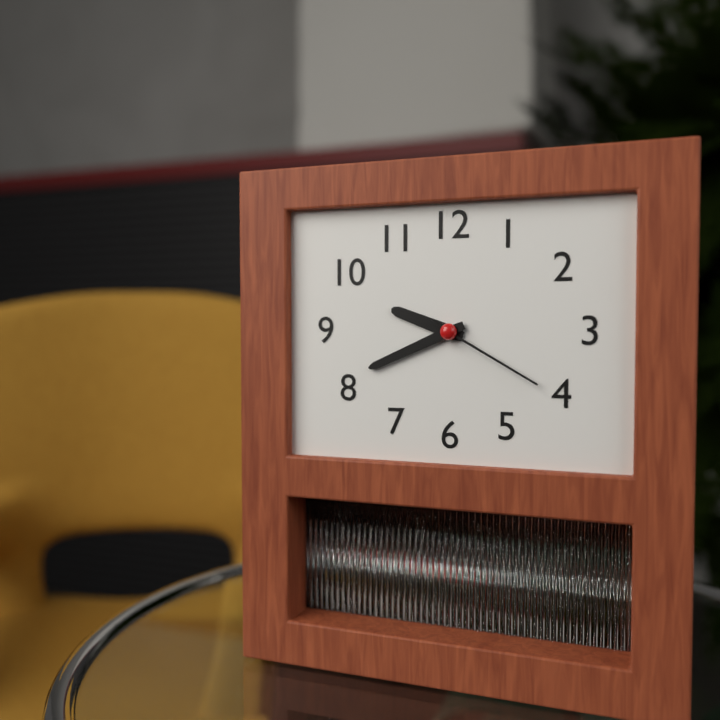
9:41:20
